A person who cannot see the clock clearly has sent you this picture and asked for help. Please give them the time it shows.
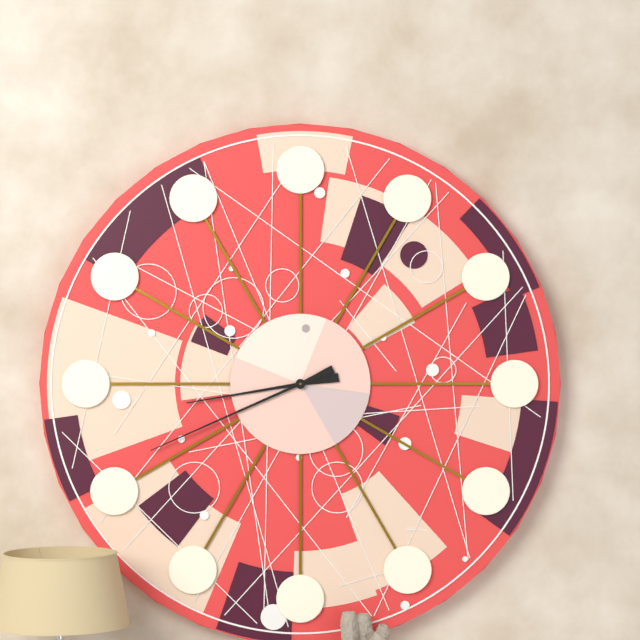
8:41
